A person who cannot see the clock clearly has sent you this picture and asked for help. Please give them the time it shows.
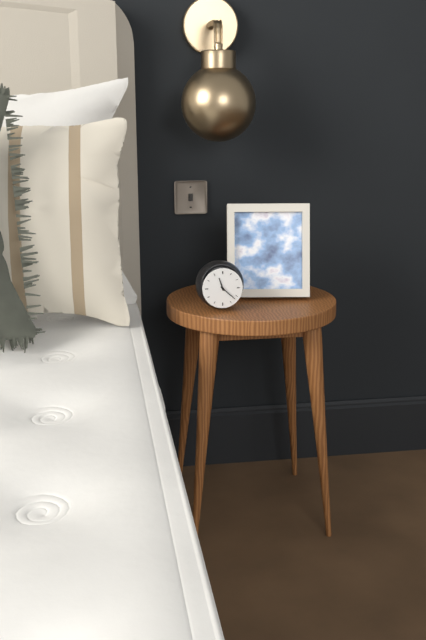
11:22
